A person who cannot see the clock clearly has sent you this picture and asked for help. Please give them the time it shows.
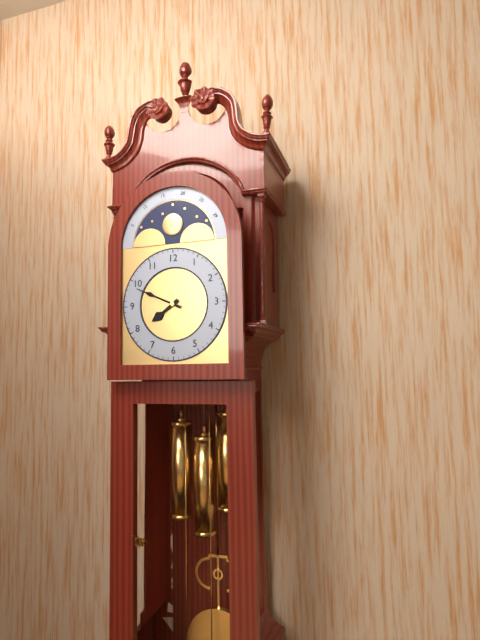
7:49
